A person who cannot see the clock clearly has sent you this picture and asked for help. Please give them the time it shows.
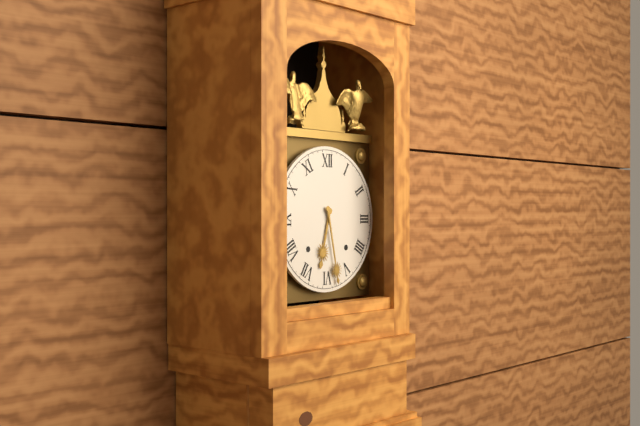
6:28
